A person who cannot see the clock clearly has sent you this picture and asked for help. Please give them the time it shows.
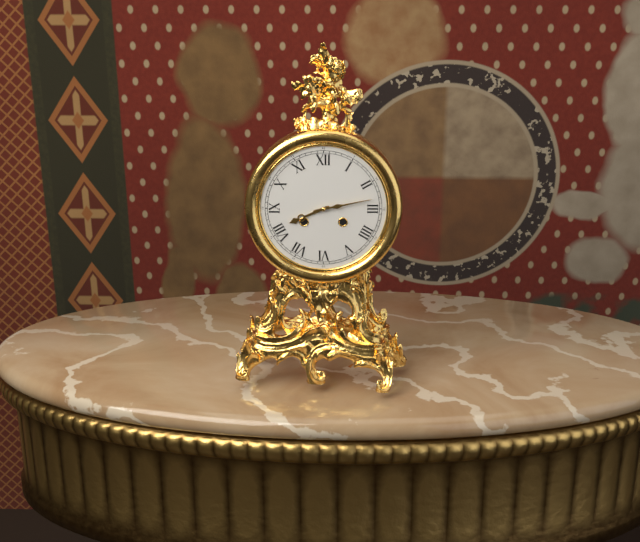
8:13
